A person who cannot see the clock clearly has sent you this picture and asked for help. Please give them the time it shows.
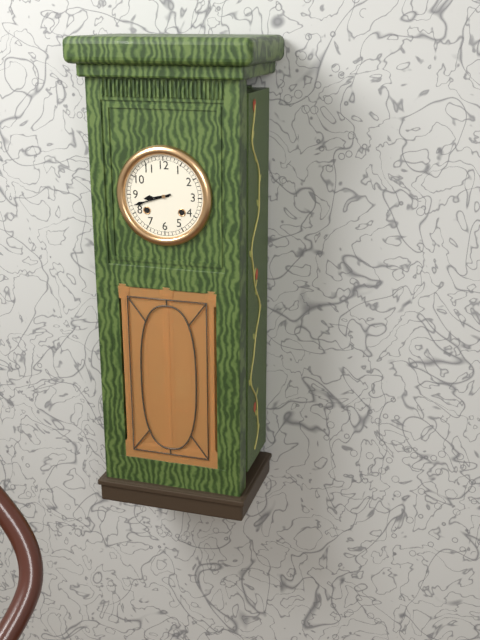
8:42
